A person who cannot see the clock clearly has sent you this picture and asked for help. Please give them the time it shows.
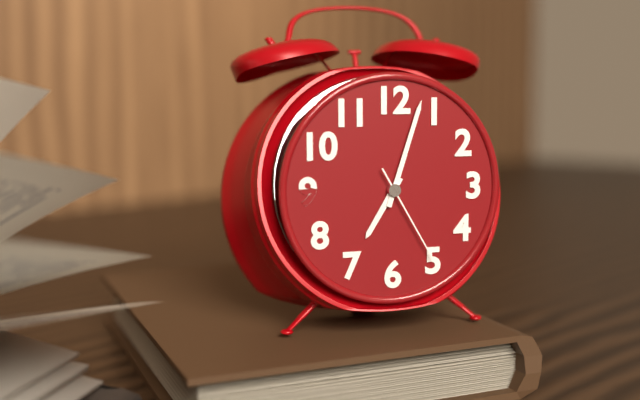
7:03:25
